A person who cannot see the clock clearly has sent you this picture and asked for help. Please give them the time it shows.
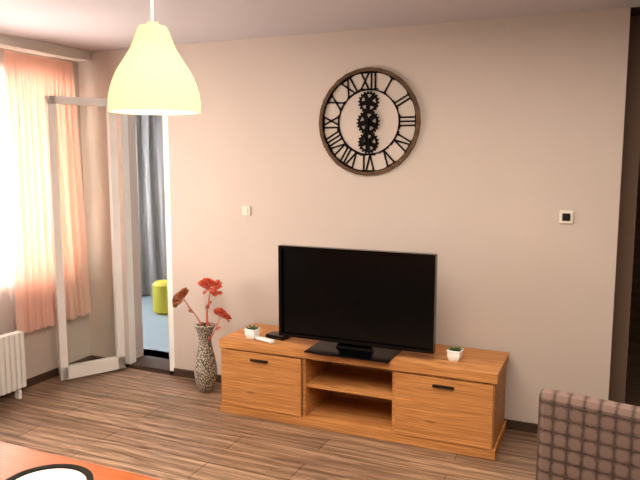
6:29
